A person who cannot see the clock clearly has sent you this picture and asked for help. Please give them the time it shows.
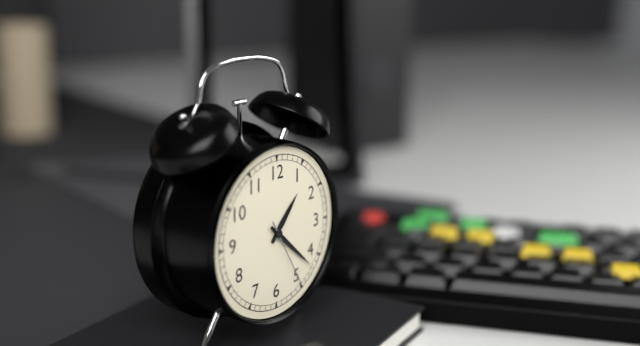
1:22:25
